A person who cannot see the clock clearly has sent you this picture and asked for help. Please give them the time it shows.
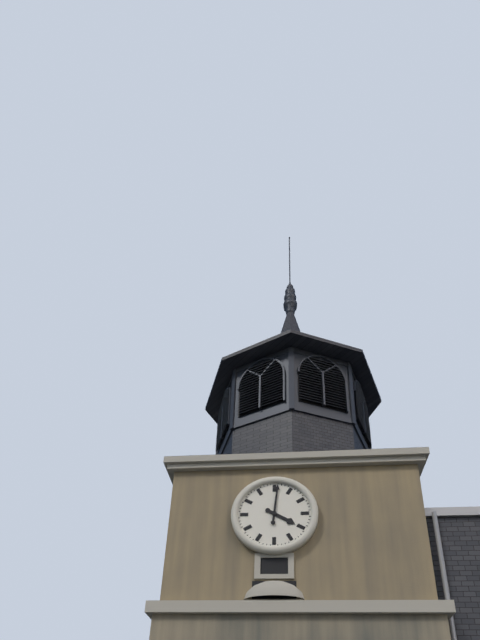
4:01
